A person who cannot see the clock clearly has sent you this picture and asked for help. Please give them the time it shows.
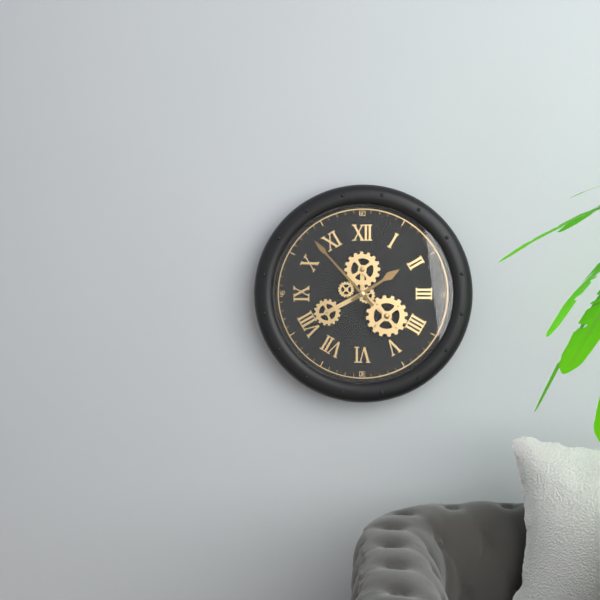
1:53
